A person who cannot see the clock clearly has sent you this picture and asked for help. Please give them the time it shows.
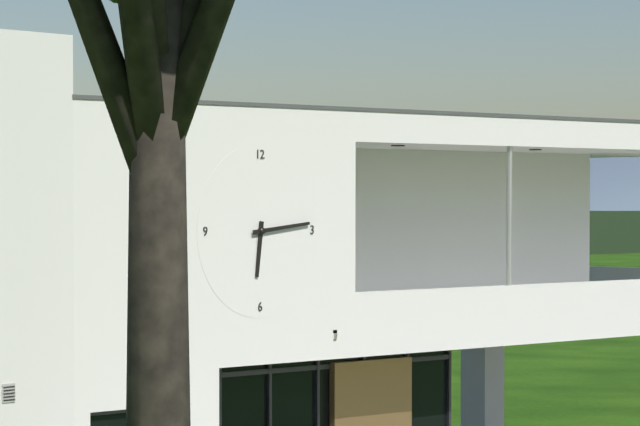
6:14
